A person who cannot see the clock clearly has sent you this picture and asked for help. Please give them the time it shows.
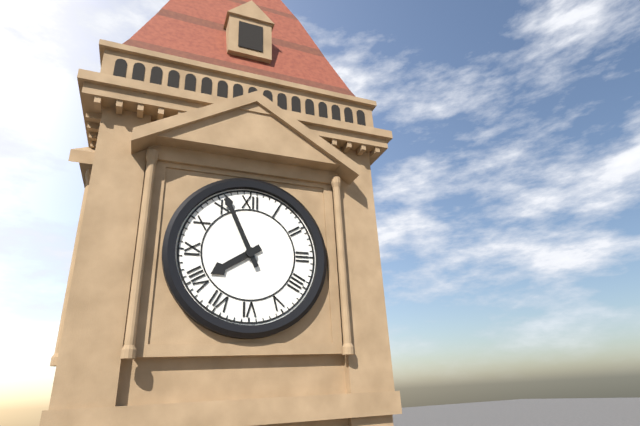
7:56
